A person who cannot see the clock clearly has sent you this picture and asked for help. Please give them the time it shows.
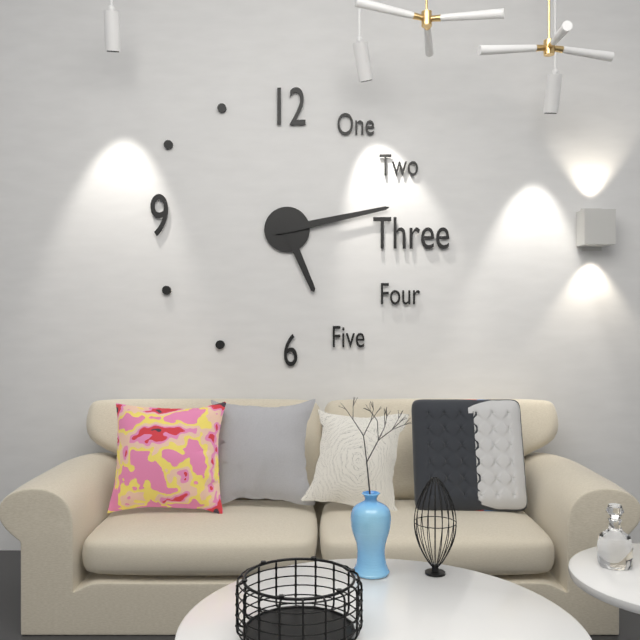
5:13
